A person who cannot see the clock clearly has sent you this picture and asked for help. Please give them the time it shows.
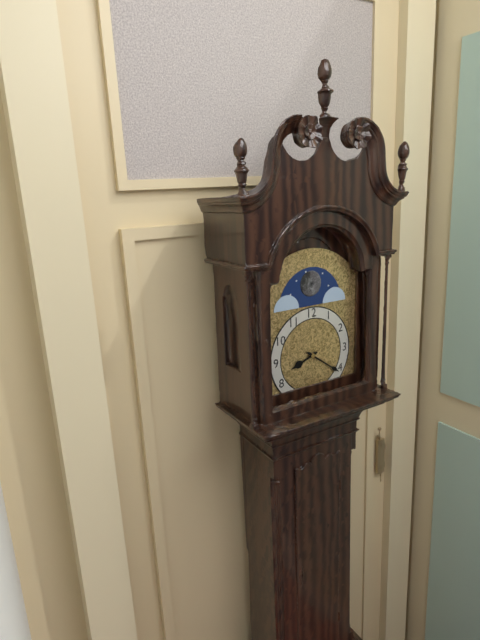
8:21
